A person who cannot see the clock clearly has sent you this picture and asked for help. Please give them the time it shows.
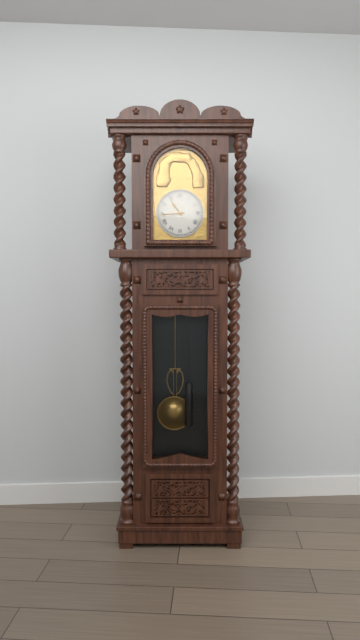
10:44
